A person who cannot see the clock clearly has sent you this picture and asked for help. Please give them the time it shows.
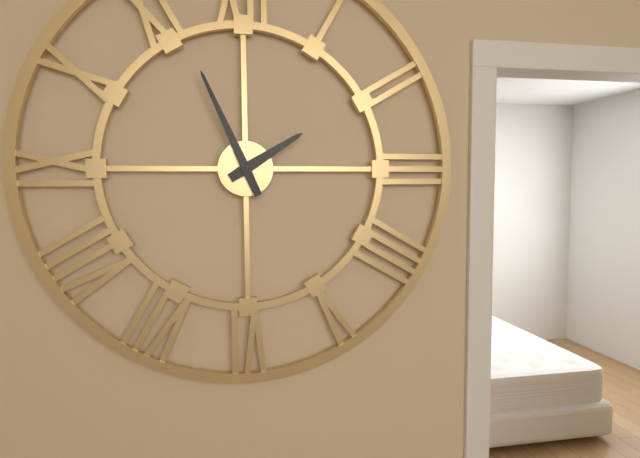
1:56
